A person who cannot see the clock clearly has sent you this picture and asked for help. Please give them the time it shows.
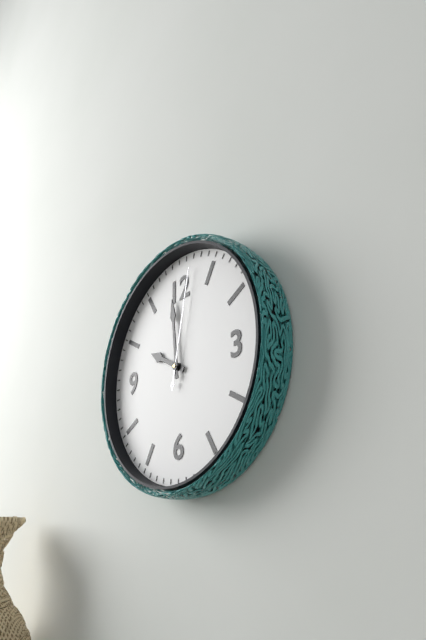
9:59:02
